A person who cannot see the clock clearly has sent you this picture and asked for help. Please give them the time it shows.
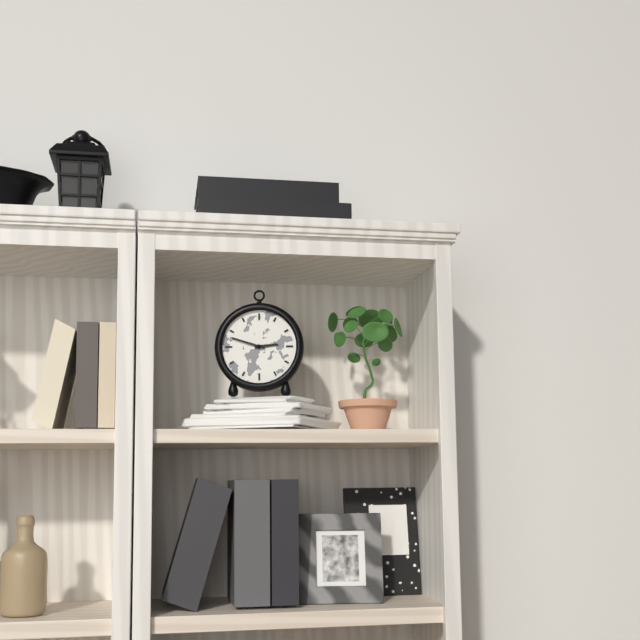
2:48
